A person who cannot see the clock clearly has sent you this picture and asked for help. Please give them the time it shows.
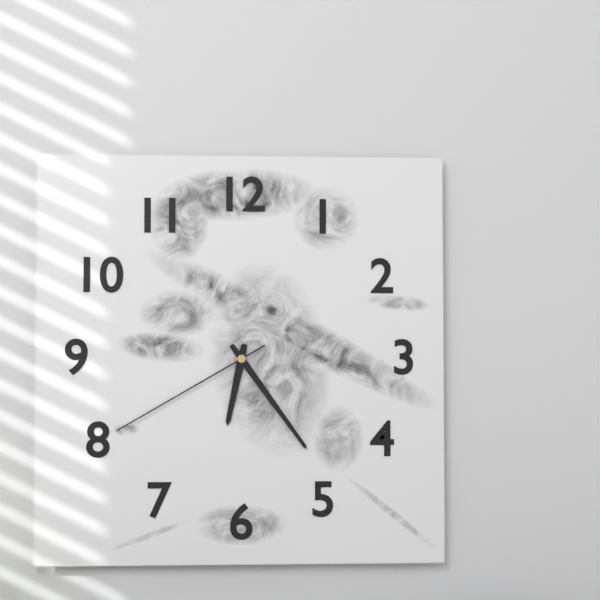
6:24:40
